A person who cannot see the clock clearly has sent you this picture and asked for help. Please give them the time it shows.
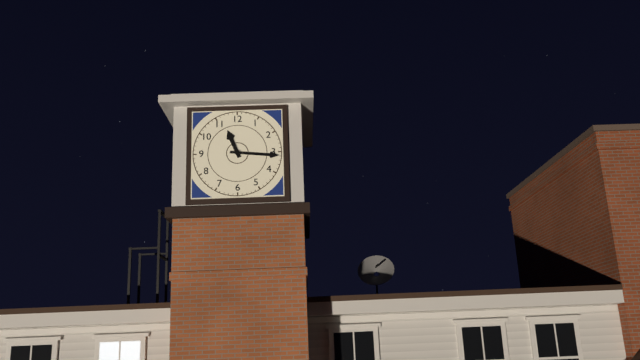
11:16
